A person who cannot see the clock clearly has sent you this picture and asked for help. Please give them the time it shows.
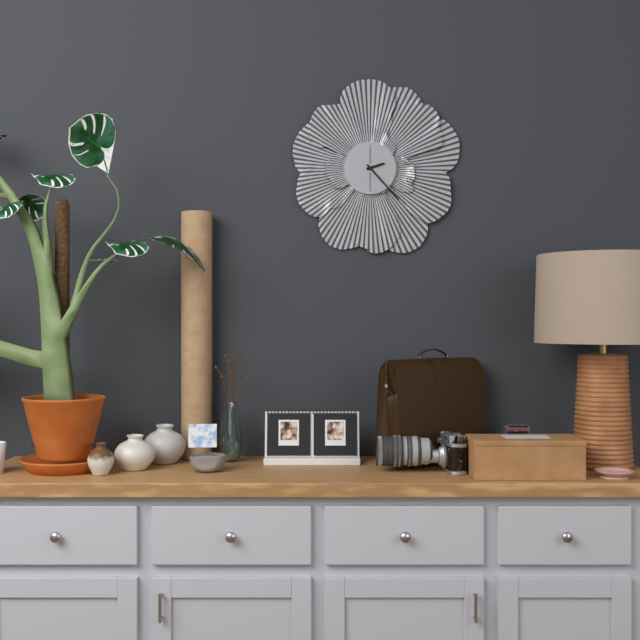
2:23
